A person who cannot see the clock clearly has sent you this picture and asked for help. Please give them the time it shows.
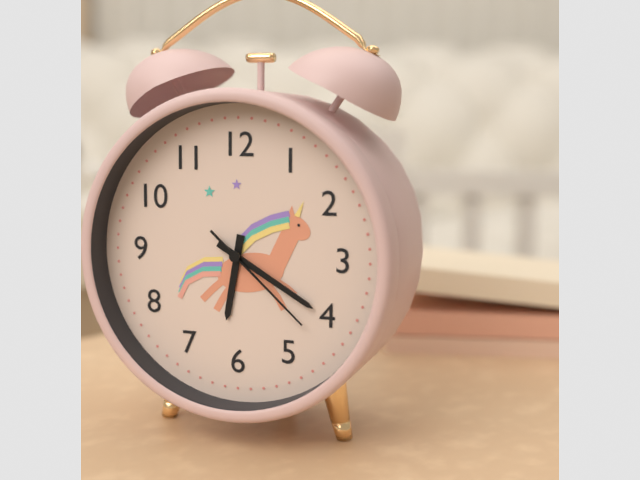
6:20:22
